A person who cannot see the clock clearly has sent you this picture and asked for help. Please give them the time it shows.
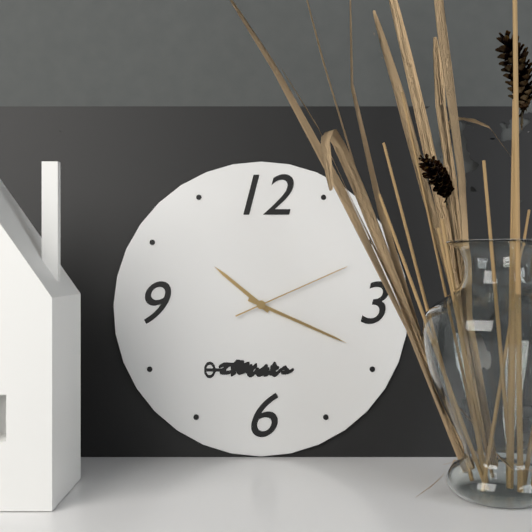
10:19:11
